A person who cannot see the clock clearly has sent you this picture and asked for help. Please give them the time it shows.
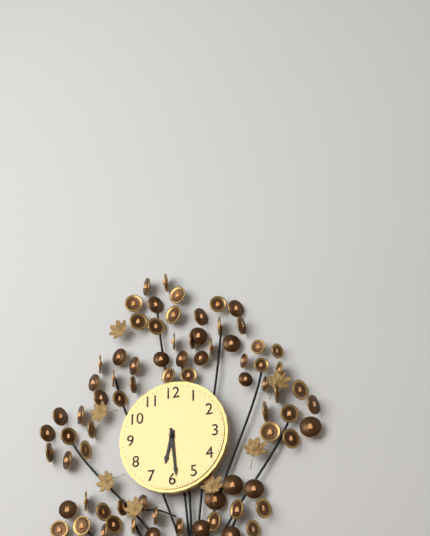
6:29
